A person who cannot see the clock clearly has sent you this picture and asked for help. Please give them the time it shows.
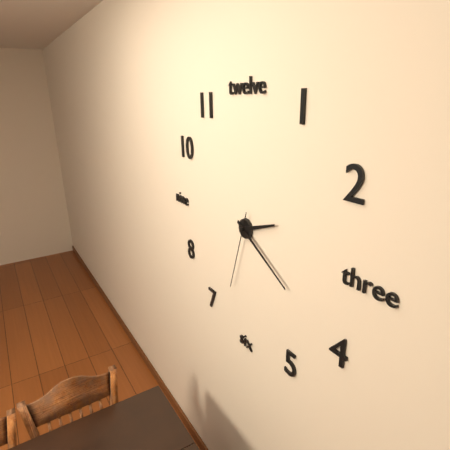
2:20:33
